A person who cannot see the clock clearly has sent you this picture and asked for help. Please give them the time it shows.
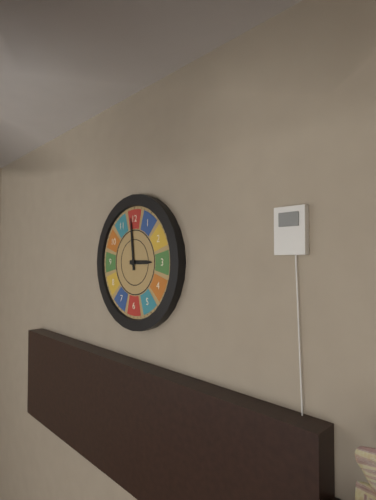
2:59
